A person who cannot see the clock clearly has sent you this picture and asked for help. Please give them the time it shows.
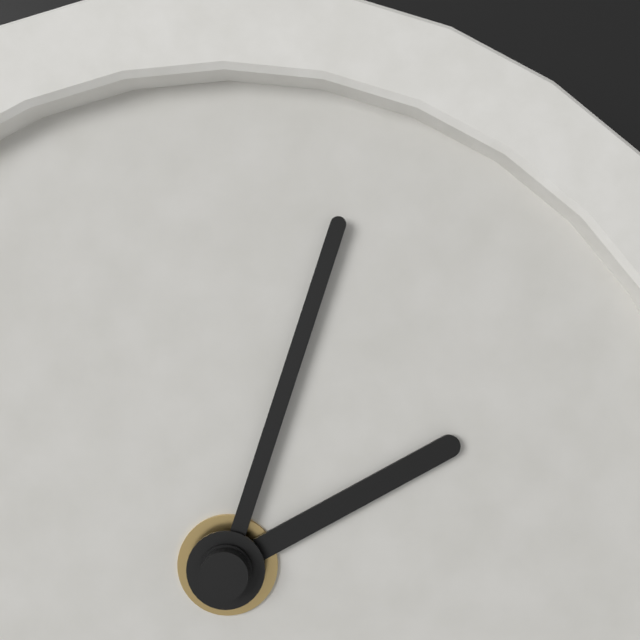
2:03
